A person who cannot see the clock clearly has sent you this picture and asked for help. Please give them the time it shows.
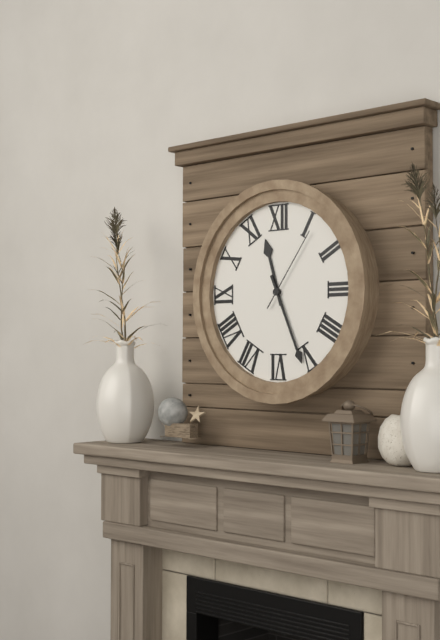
11:26:06
